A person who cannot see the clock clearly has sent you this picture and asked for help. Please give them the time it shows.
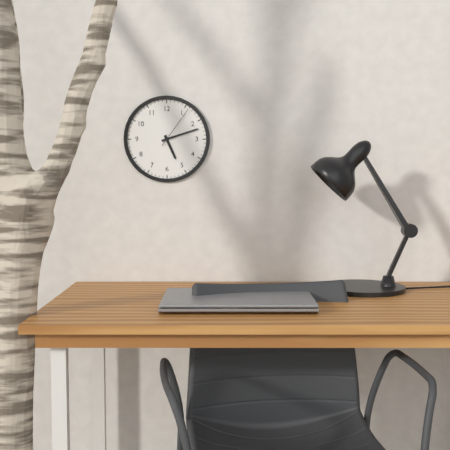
5:12
